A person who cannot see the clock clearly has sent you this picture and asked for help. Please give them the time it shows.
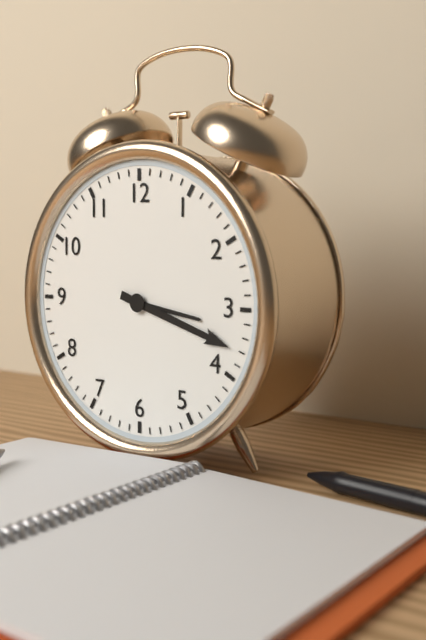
3:18
